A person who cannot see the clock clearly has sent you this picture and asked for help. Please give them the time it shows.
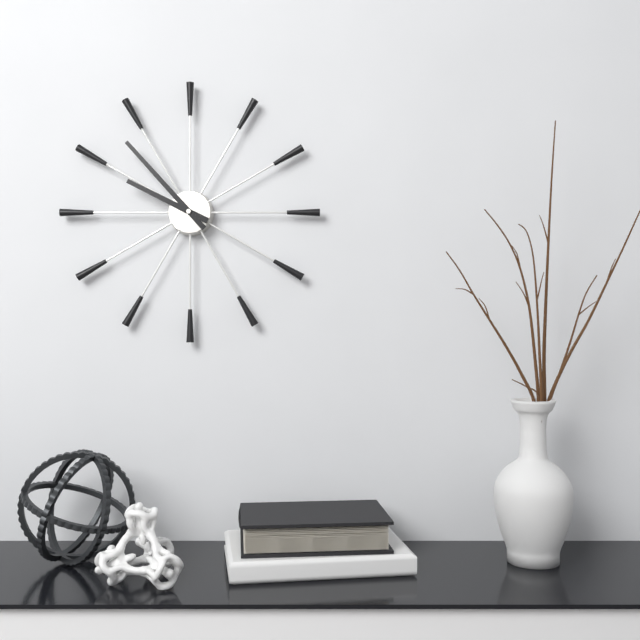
9:53
